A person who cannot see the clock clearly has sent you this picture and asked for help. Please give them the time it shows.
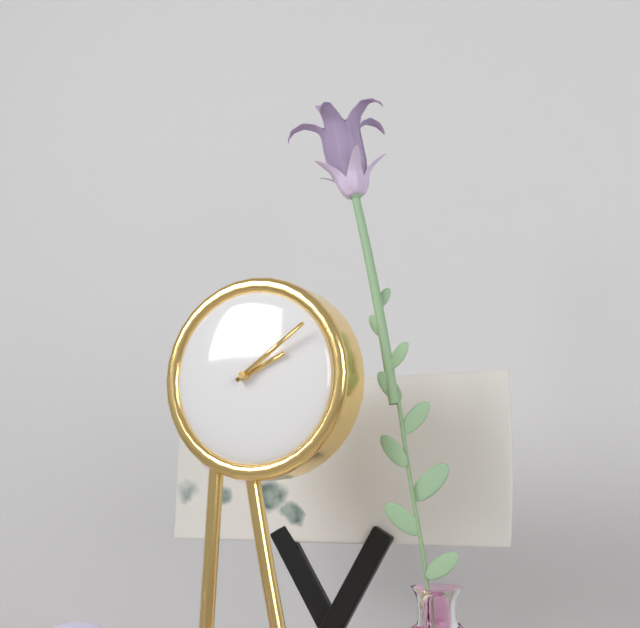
2:09
